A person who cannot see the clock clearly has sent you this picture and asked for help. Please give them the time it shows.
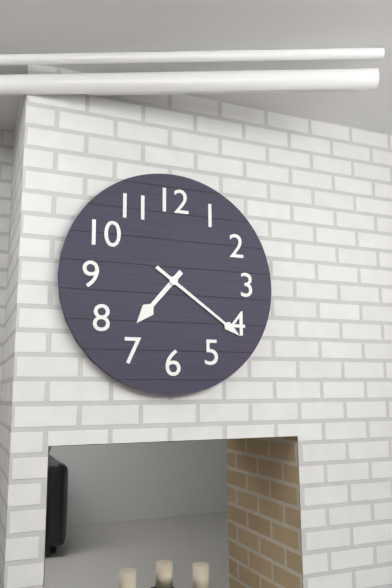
7:21
